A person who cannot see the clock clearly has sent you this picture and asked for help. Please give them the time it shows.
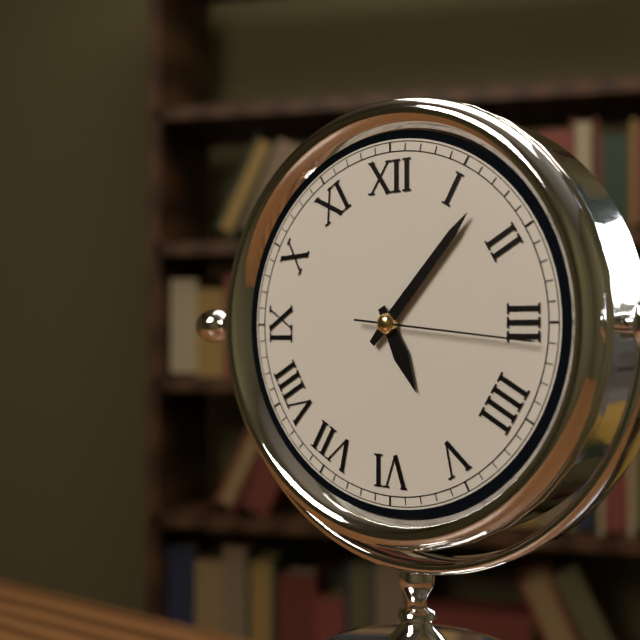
5:07:16
